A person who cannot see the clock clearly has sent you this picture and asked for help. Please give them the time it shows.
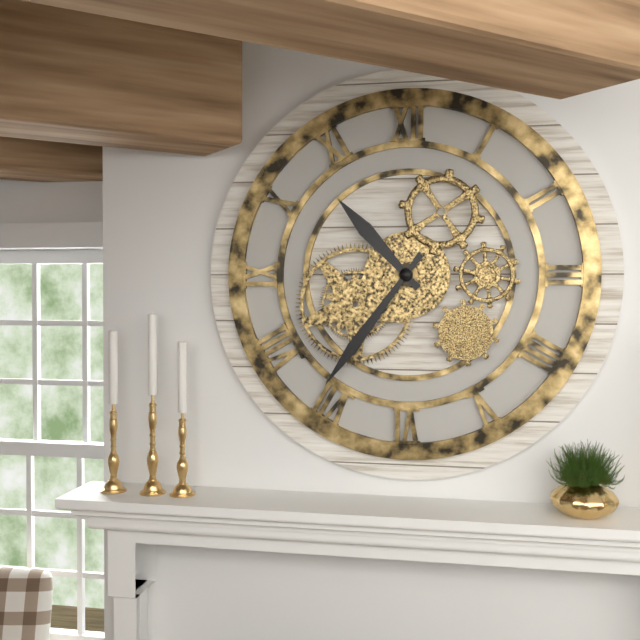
10:36
